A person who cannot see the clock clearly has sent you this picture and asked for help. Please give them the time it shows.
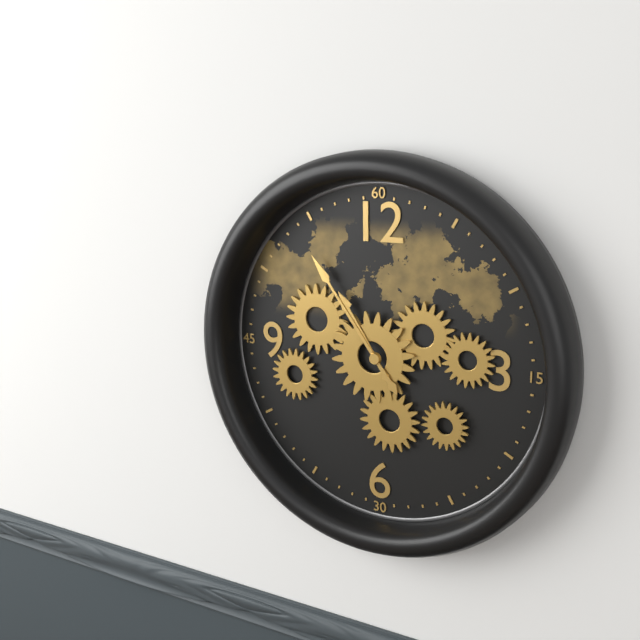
10:54
